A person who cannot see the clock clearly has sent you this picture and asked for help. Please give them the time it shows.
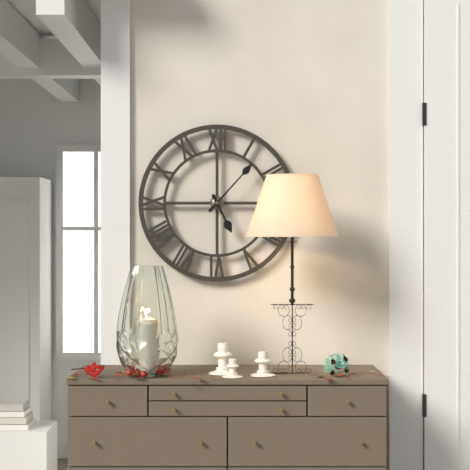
5:07
